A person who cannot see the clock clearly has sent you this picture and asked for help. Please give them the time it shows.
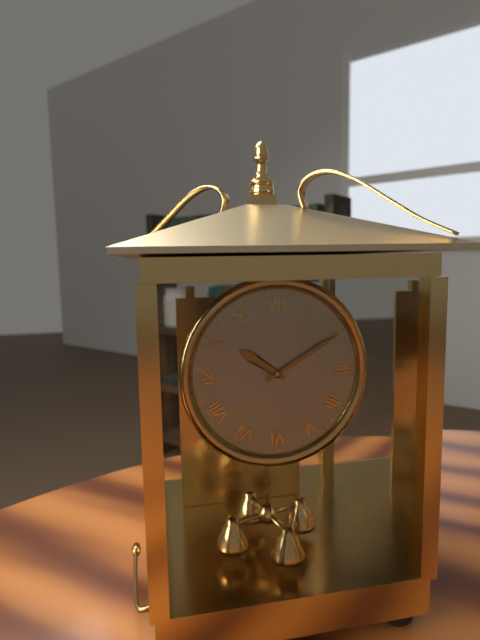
10:10
